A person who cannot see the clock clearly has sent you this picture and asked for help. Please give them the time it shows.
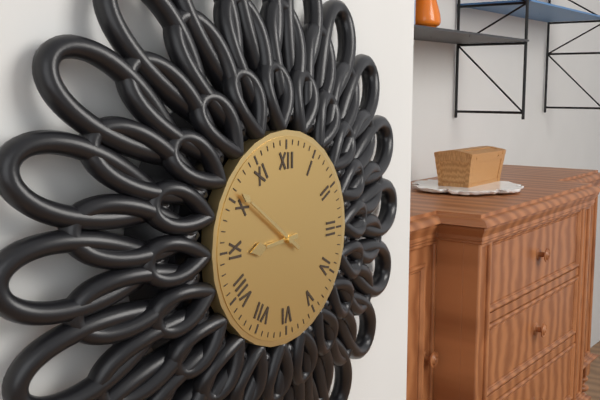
8:51
